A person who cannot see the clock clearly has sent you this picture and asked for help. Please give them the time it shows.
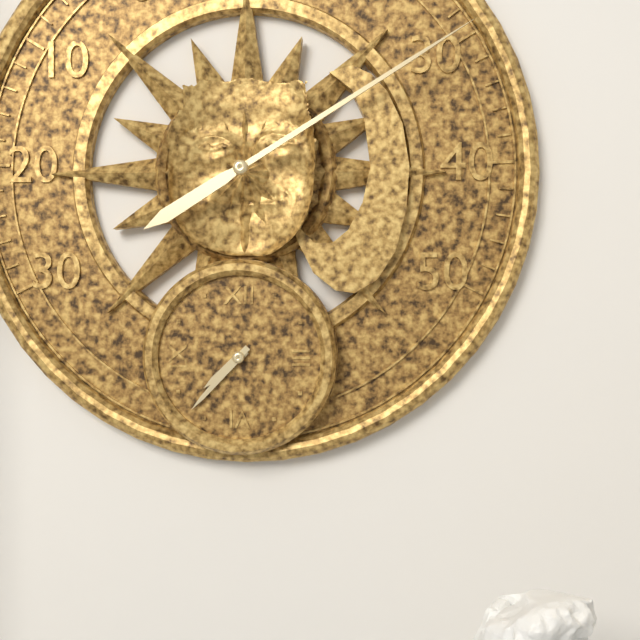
7:37
